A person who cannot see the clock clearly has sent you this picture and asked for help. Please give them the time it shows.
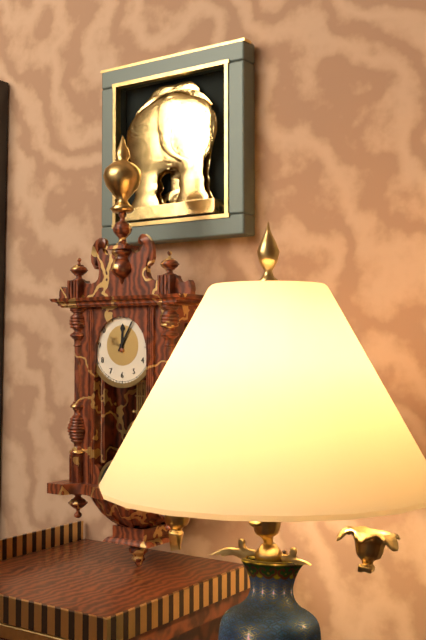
12:05
